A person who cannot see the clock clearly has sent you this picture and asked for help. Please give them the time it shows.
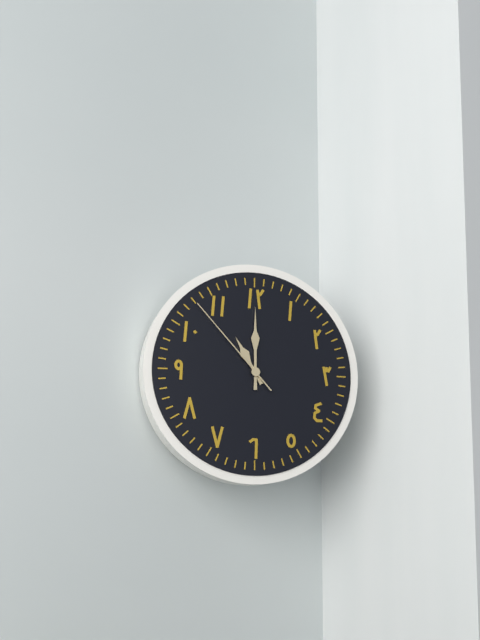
11:00:53
